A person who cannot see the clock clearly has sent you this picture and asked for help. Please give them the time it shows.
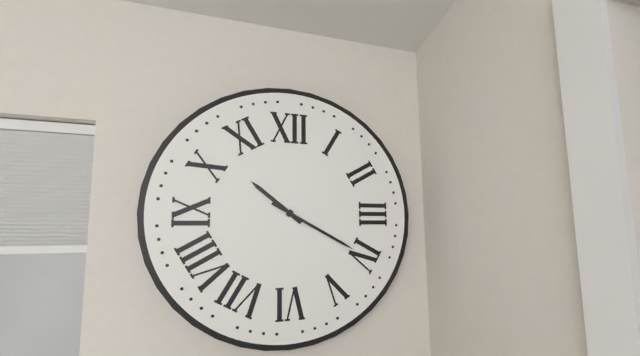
10:20
